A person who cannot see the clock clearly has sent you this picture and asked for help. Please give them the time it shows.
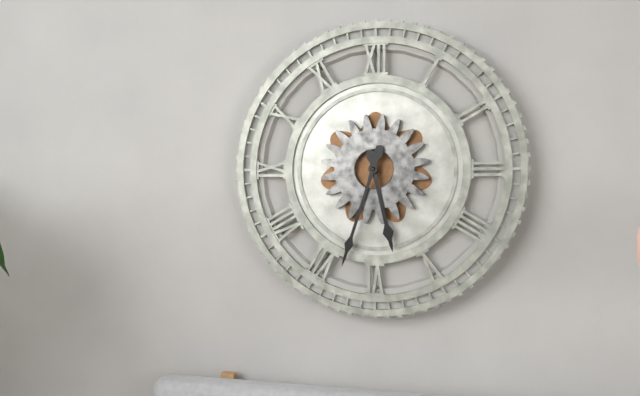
5:33
